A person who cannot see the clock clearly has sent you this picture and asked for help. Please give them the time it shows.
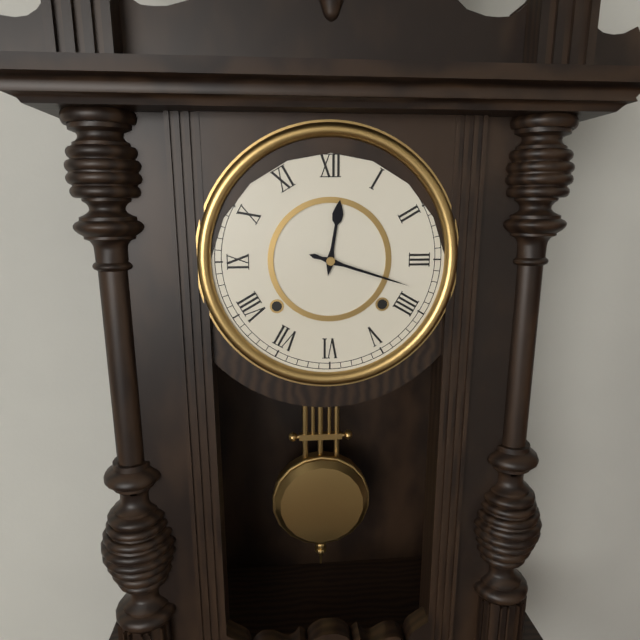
12:18
